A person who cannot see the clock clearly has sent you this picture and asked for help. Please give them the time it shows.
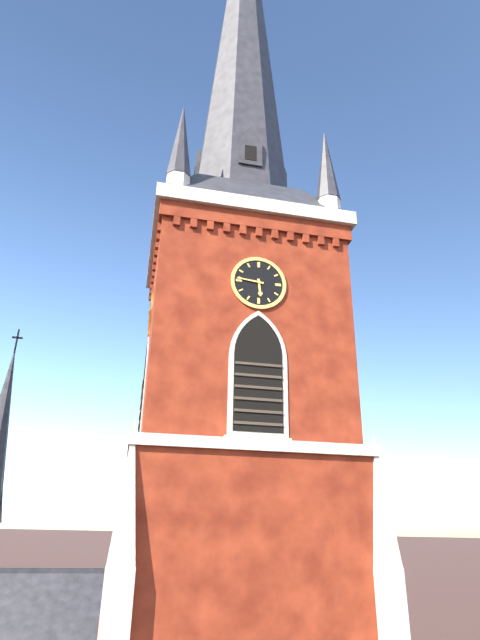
5:46
